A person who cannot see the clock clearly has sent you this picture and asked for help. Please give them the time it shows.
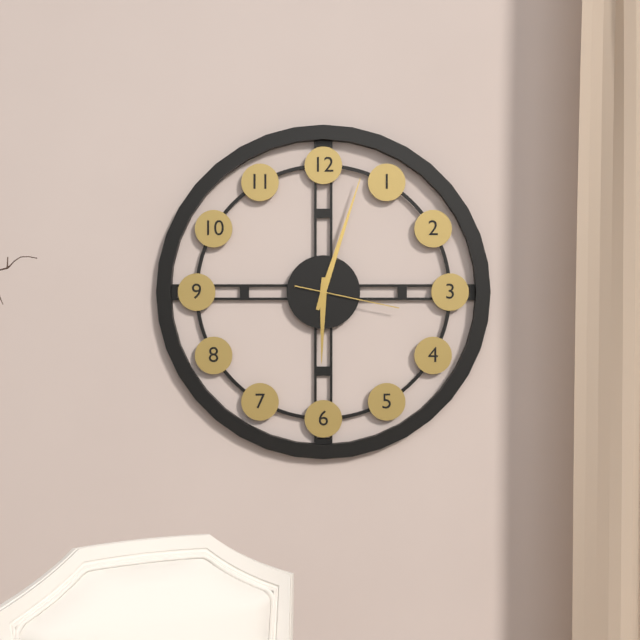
6:03:17
